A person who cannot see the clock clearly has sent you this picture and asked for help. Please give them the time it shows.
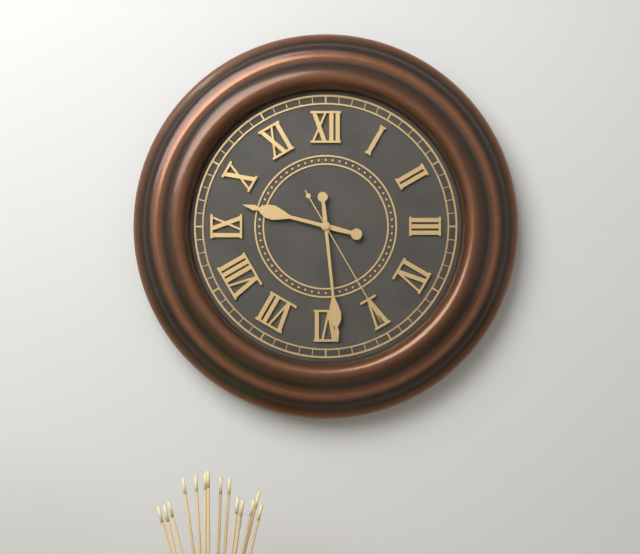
9:29:25
